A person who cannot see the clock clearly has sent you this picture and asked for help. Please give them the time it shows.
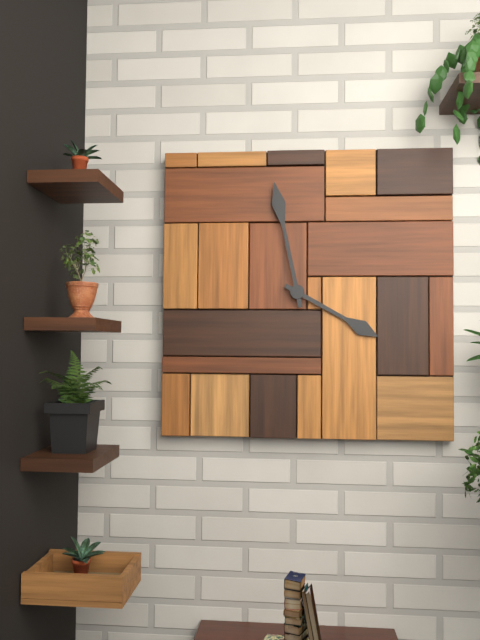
3:58
